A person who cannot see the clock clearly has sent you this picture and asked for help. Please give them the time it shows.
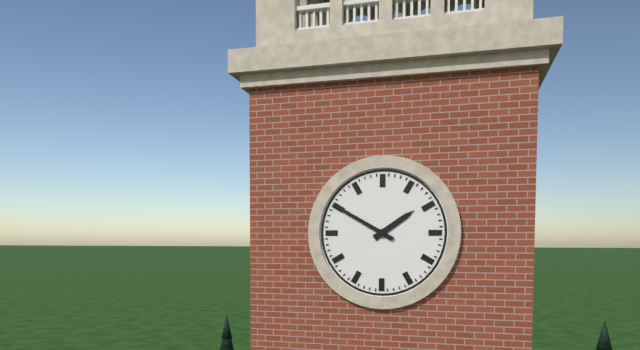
1:50
